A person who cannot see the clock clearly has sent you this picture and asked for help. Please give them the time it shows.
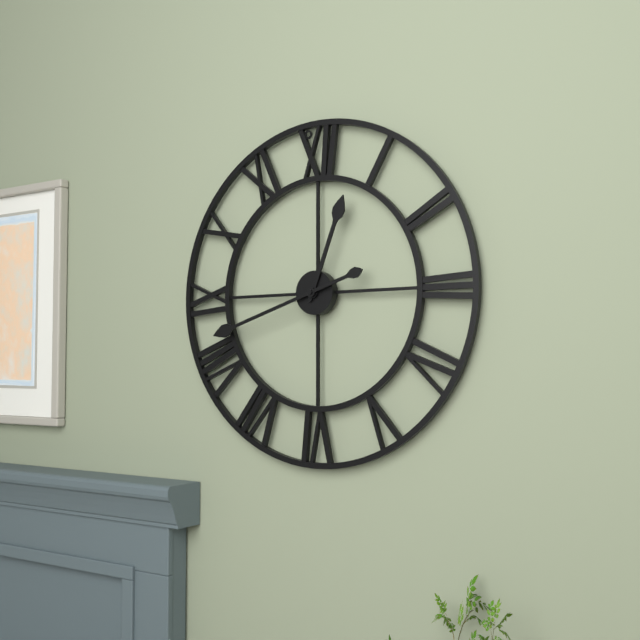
12:42
